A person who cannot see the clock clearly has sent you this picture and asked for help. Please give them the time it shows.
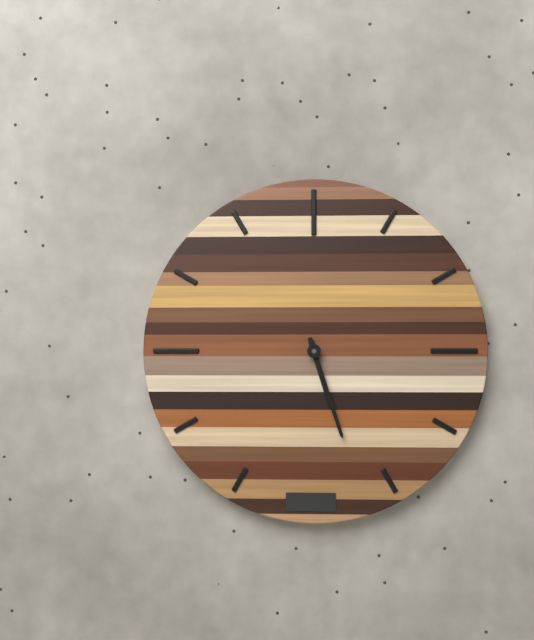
5:27
